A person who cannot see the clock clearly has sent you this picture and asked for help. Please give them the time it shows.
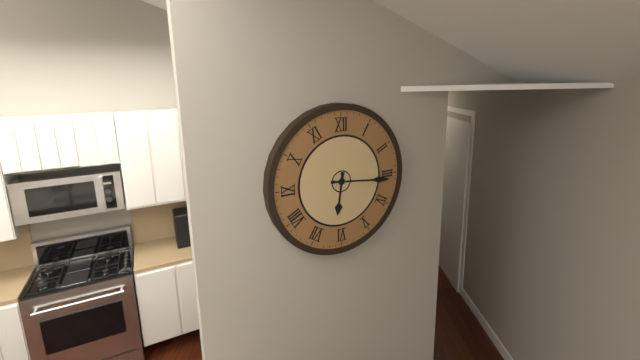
6:16
